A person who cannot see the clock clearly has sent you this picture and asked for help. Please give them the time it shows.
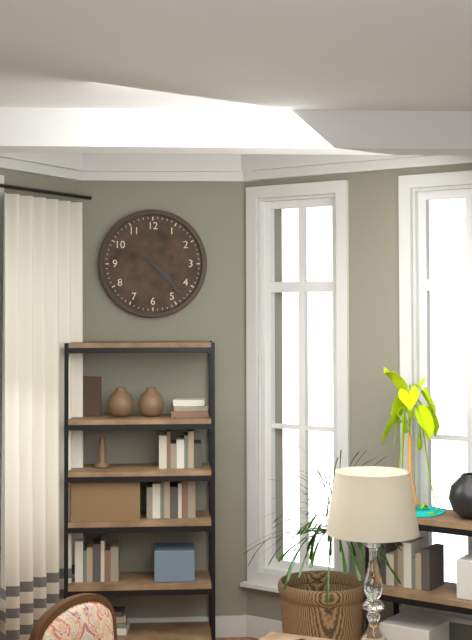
4:23
